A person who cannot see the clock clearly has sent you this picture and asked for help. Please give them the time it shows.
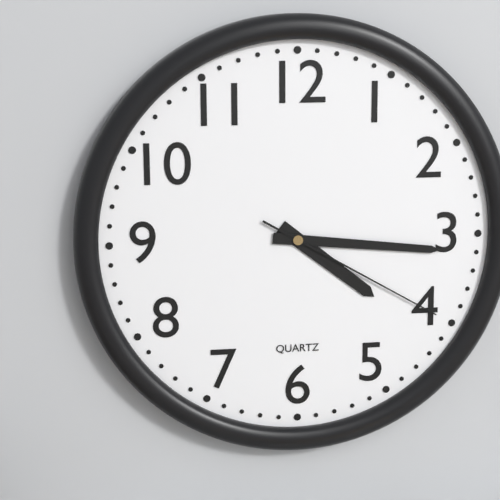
4:16:20
